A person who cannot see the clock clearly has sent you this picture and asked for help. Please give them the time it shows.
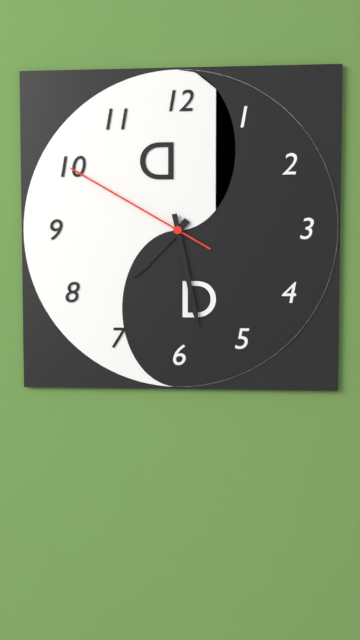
7:28:50
